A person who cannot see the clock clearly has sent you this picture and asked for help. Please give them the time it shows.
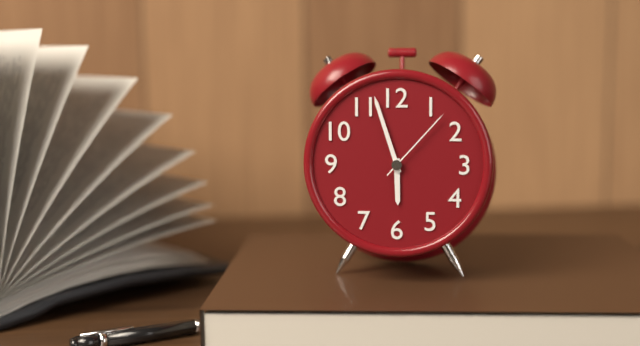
5:57:07
